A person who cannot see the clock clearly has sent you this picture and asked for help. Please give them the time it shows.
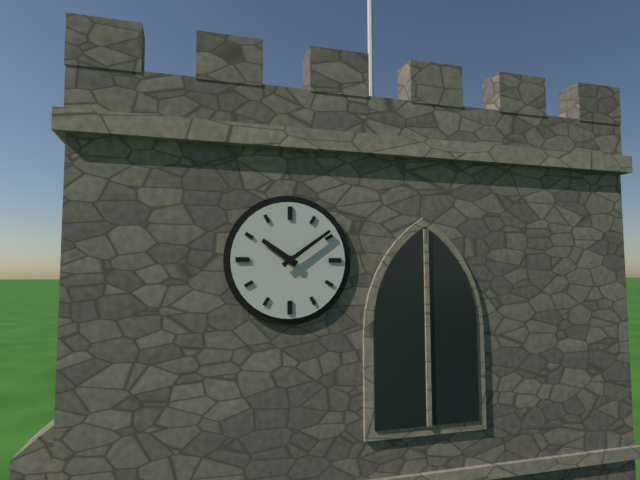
10:09
